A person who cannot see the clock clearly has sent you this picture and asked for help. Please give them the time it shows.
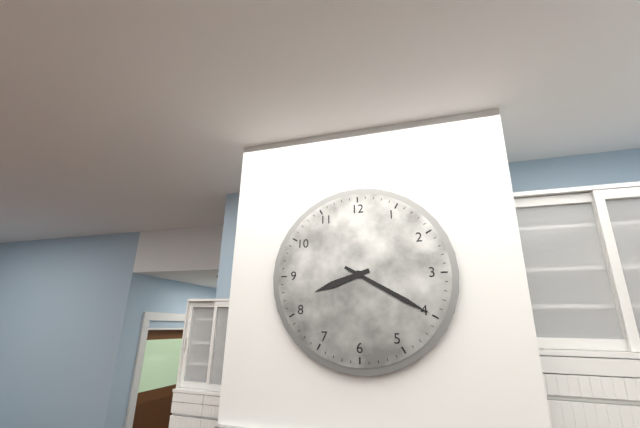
8:20
